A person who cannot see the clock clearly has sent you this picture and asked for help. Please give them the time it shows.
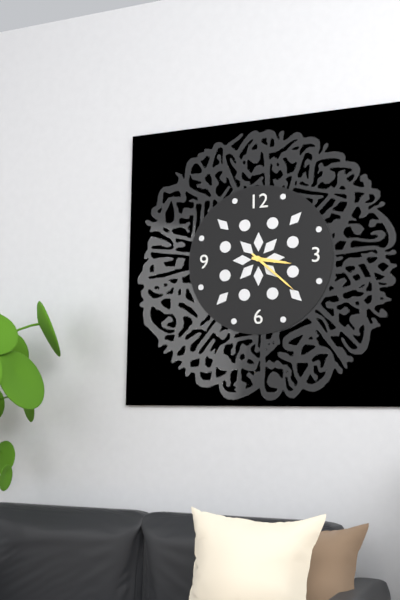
3:22
